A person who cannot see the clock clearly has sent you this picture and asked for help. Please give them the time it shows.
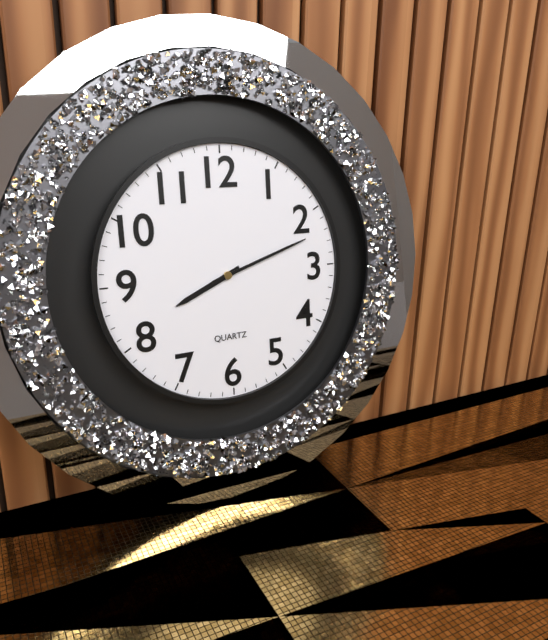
8:12
